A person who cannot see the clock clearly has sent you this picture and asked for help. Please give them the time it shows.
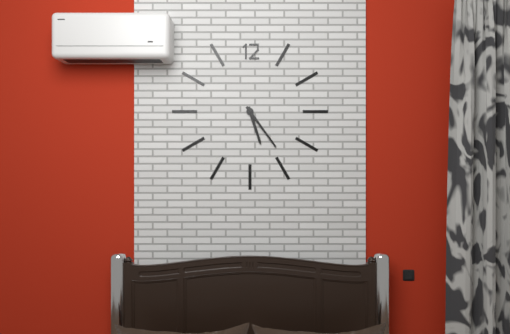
5:24
